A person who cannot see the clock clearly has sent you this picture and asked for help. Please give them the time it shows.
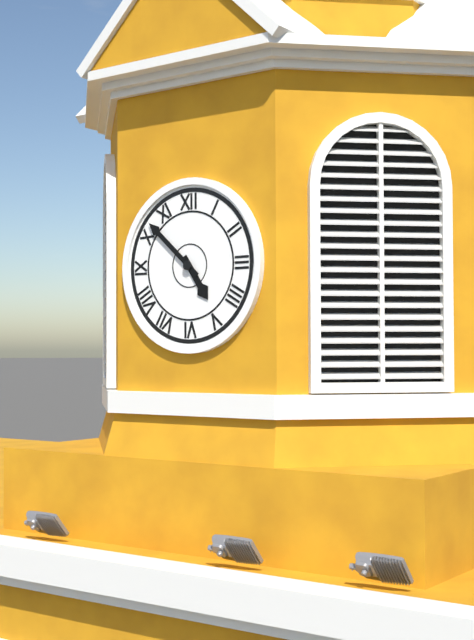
4:52
